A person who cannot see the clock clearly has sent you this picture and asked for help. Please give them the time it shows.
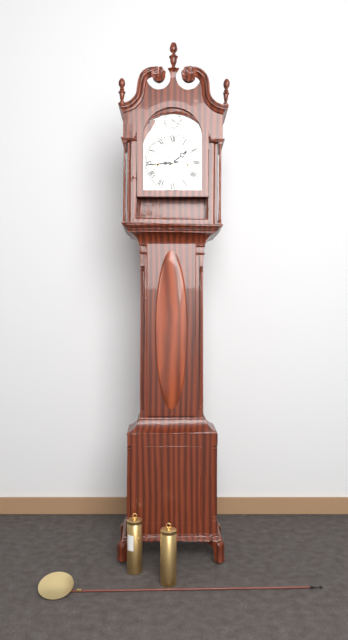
1:44
